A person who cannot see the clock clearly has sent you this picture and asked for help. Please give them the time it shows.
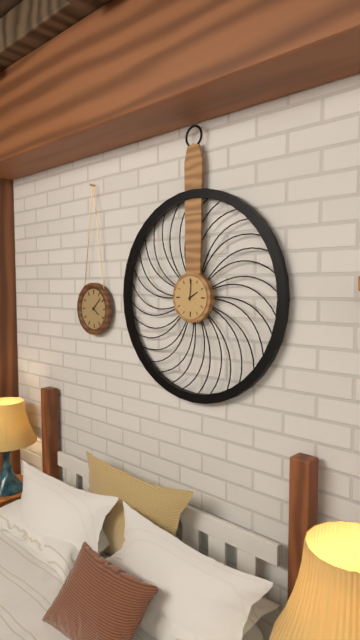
2:01
